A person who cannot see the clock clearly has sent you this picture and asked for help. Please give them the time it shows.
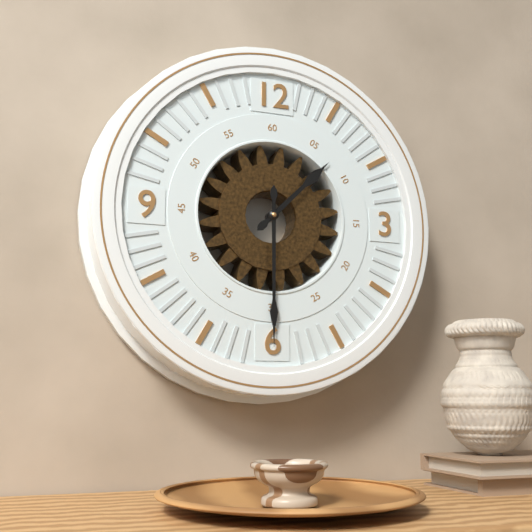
1:30
